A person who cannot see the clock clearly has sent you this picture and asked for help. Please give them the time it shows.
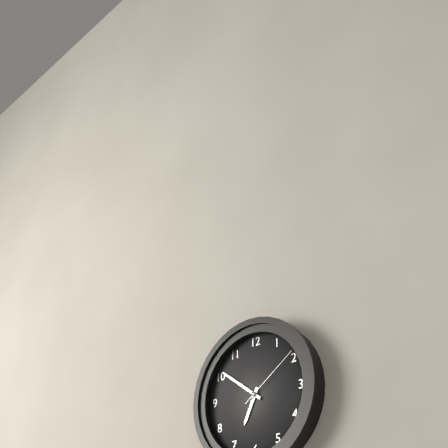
6:51:09
